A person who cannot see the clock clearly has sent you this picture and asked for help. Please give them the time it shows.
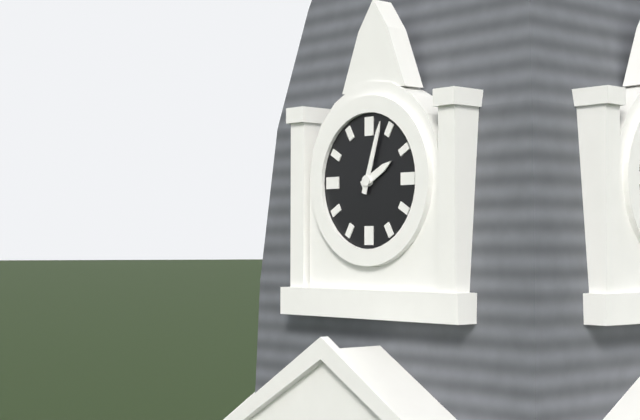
2:03
